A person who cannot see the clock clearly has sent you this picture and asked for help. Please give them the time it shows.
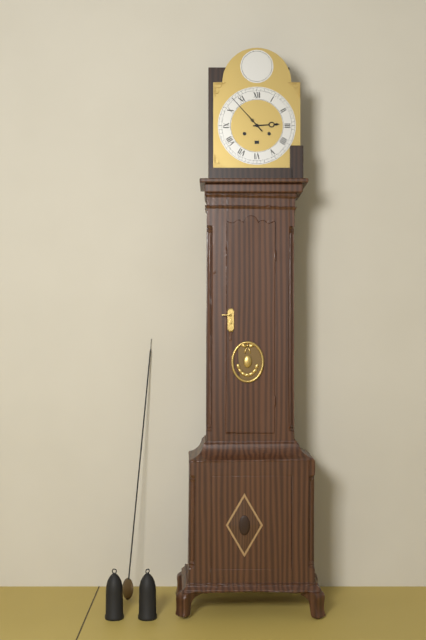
2:53
